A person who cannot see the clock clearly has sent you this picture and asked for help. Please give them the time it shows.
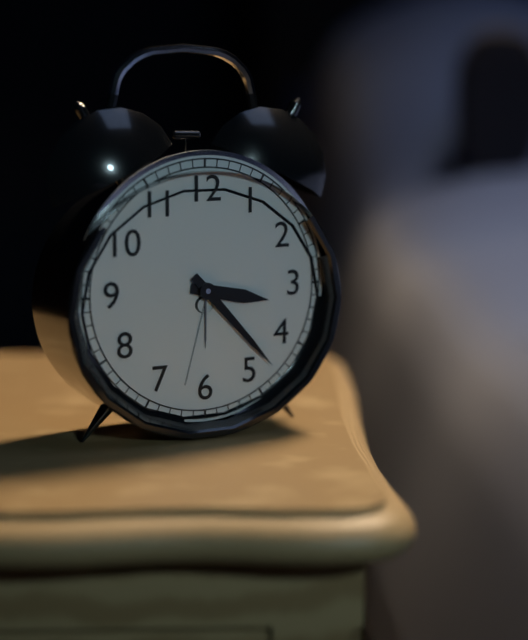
3:23
